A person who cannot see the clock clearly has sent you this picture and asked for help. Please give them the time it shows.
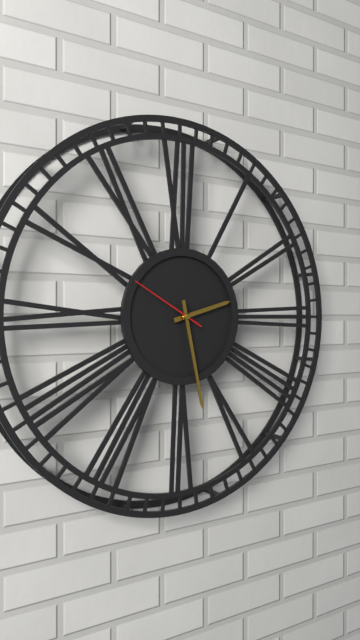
2:28:50
